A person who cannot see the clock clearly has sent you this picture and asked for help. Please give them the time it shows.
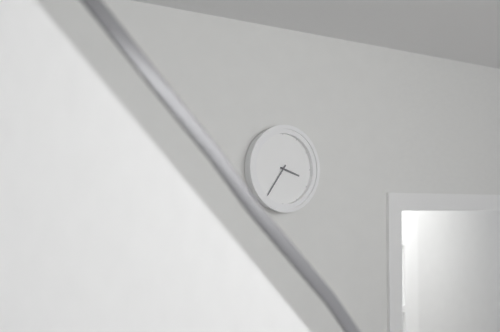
3:36
